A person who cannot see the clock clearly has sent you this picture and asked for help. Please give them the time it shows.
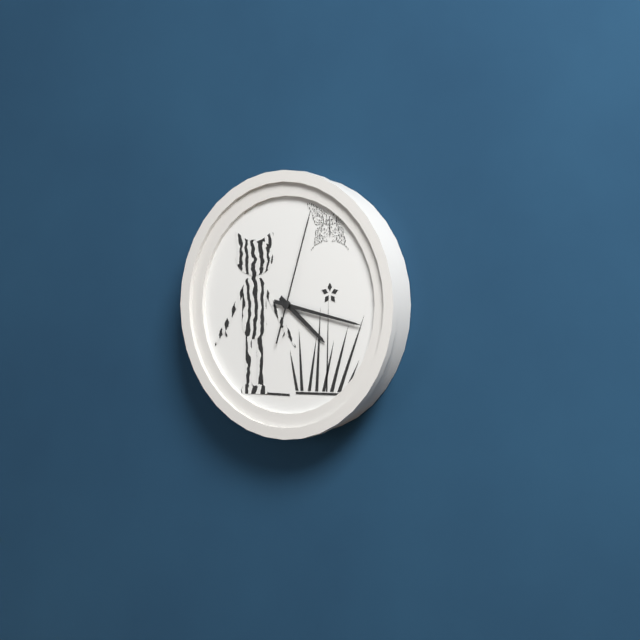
4:17:03
